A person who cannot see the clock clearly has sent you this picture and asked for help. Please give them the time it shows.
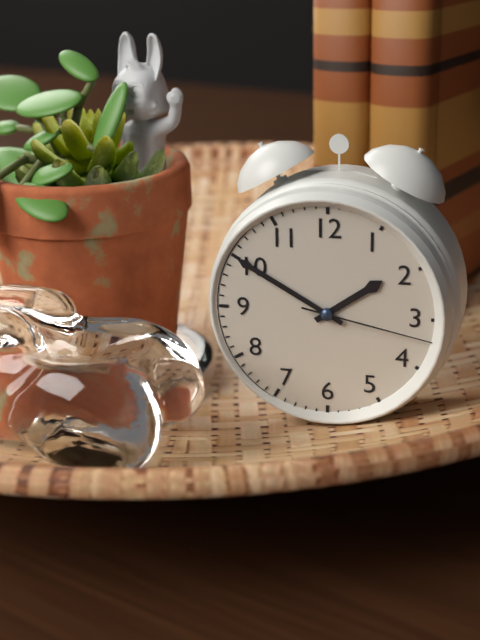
1:50:17
